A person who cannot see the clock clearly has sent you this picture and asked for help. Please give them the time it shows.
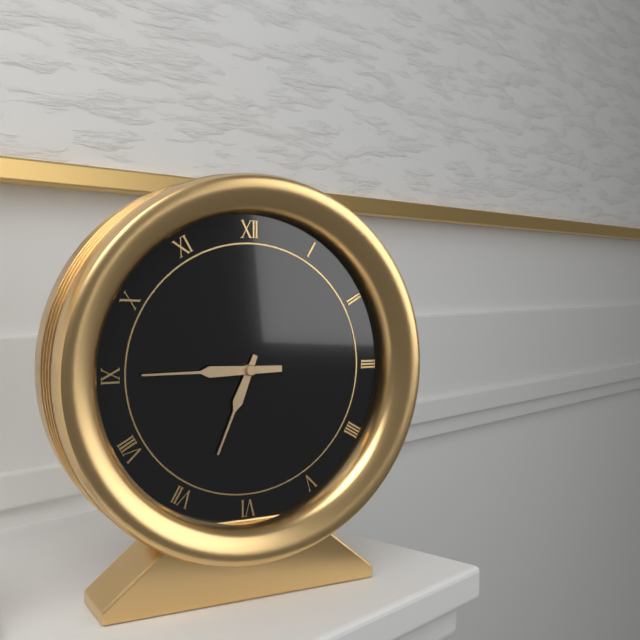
6:45
